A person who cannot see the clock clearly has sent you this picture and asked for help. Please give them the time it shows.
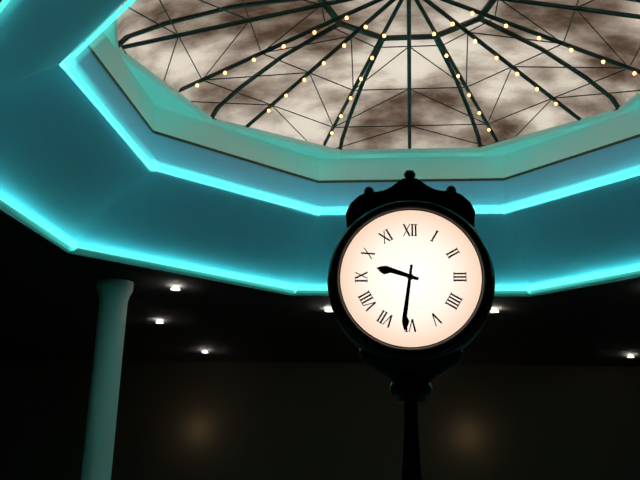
9:31
